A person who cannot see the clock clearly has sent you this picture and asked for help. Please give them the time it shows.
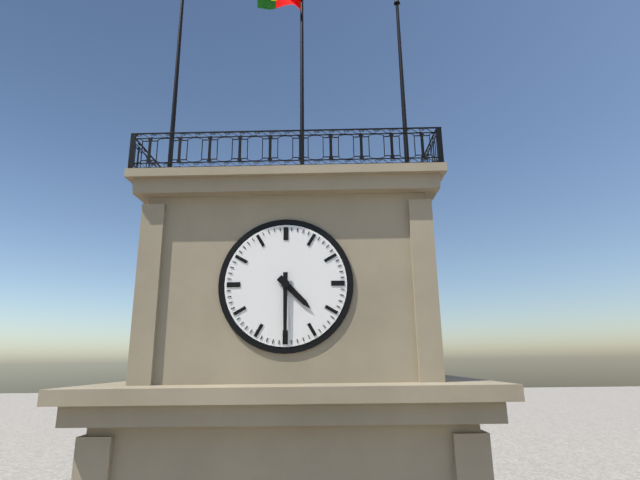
4:30
